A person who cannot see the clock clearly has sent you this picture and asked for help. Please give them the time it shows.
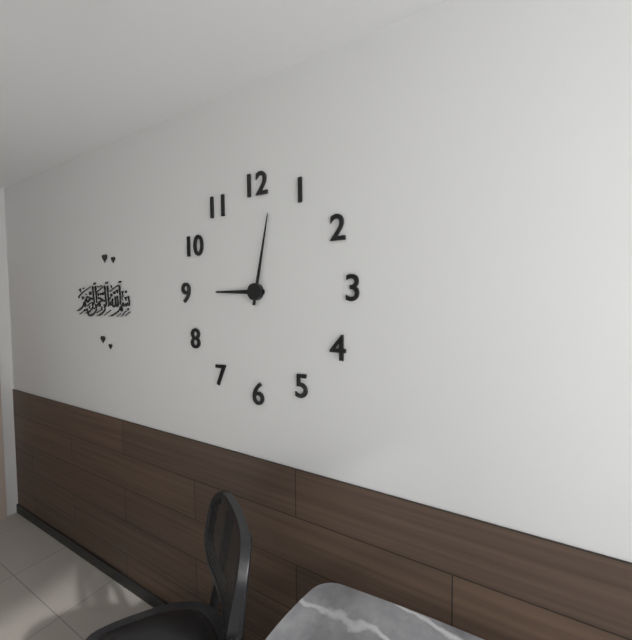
9:02
